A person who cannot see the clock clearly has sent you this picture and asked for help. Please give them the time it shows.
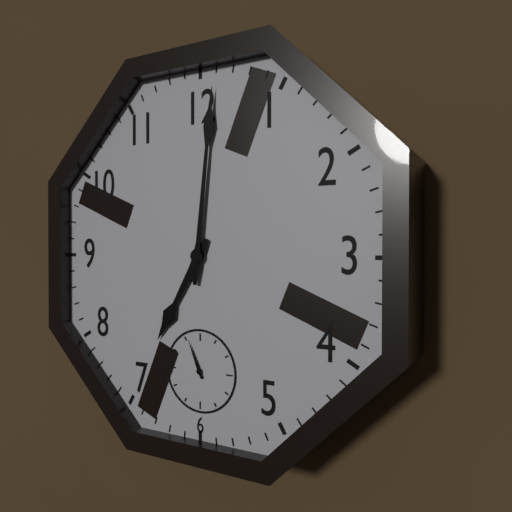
7:01
